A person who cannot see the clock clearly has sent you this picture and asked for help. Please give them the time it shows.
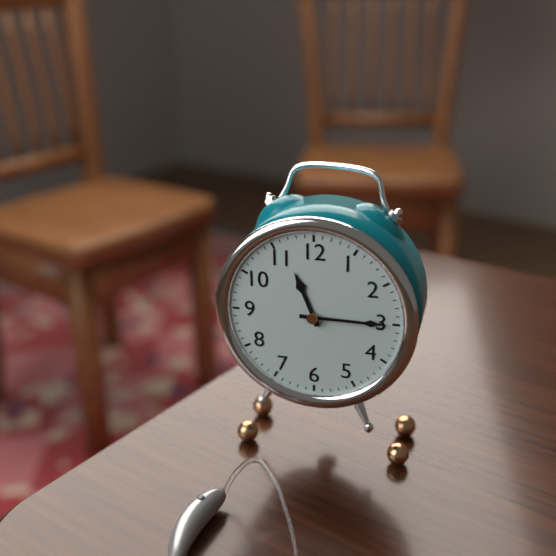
11:15
